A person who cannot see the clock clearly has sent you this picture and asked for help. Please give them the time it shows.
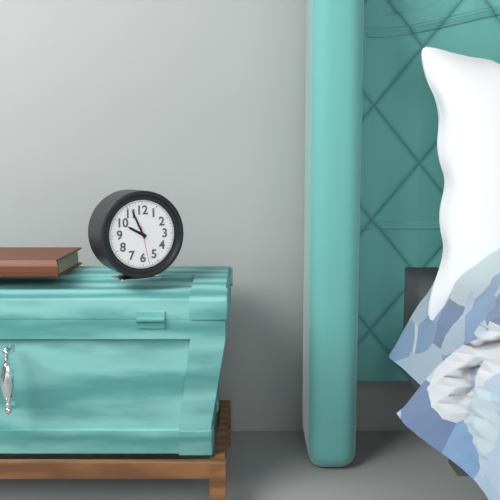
9:56
